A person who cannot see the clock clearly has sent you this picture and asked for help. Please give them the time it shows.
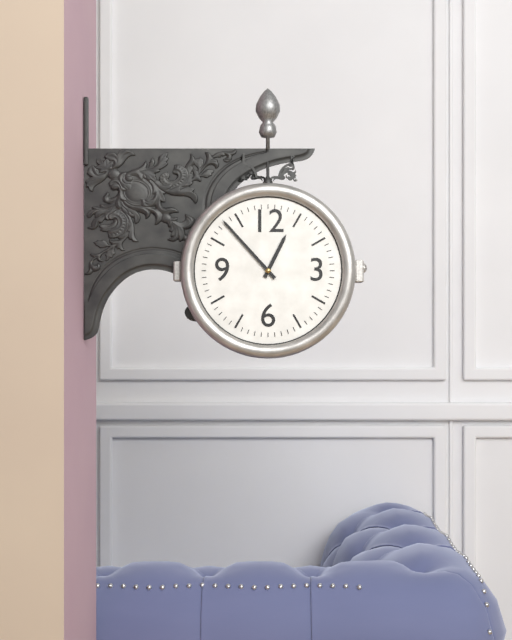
12:53
